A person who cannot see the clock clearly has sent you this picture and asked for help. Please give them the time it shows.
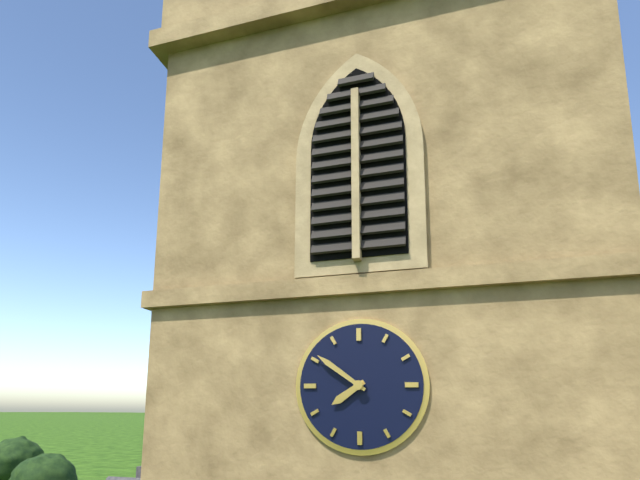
7:51
